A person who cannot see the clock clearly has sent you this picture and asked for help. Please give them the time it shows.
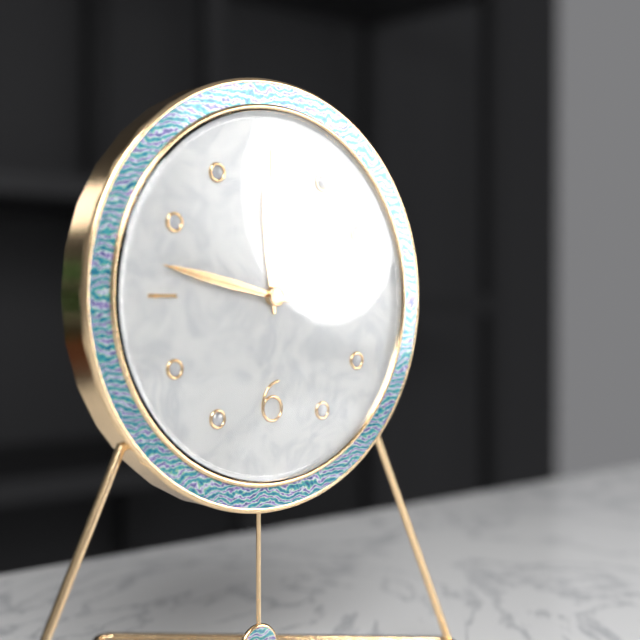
11:47:47
